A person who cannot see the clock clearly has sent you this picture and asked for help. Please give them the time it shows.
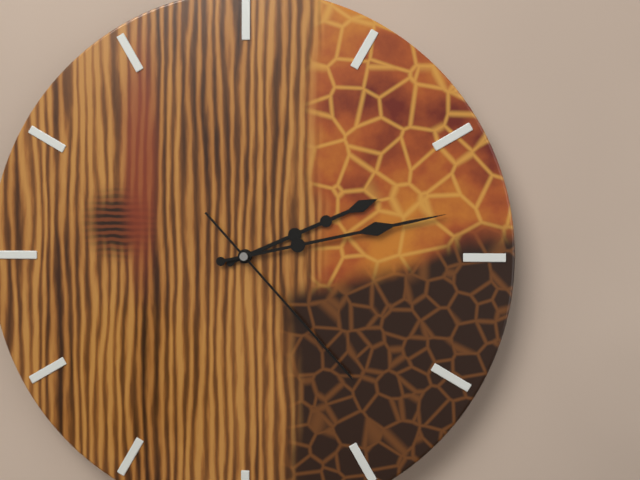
2:13:23
